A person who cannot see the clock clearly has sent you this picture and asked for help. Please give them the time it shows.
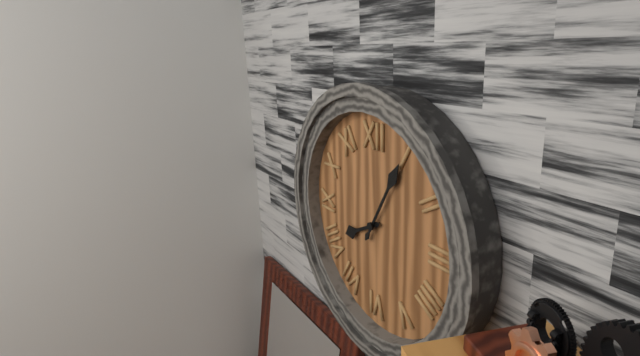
8:05
